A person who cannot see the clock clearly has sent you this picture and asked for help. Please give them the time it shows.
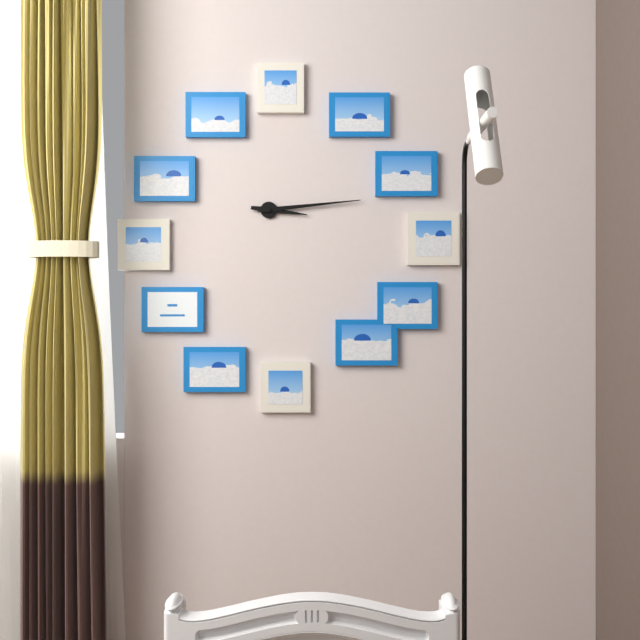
3:14
